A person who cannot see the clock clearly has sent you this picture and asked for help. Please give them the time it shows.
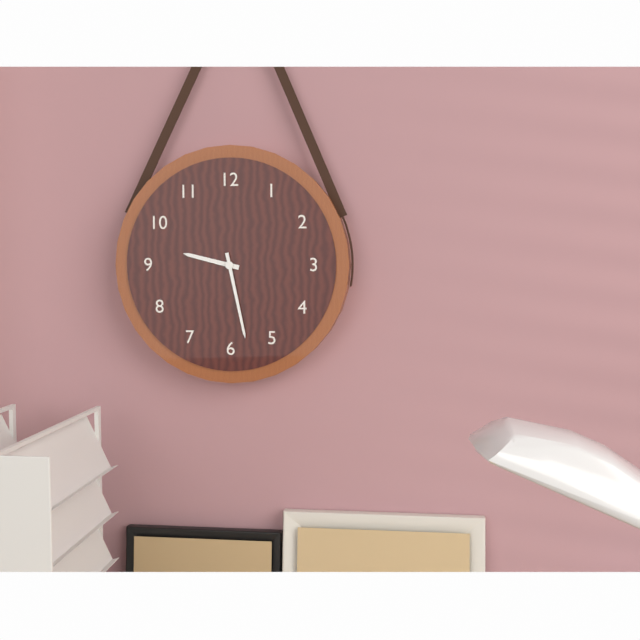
9:28
